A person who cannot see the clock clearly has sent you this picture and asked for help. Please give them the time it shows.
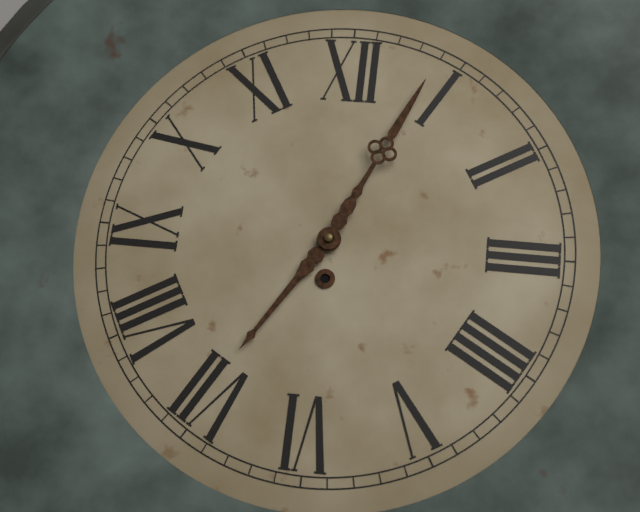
7:04
